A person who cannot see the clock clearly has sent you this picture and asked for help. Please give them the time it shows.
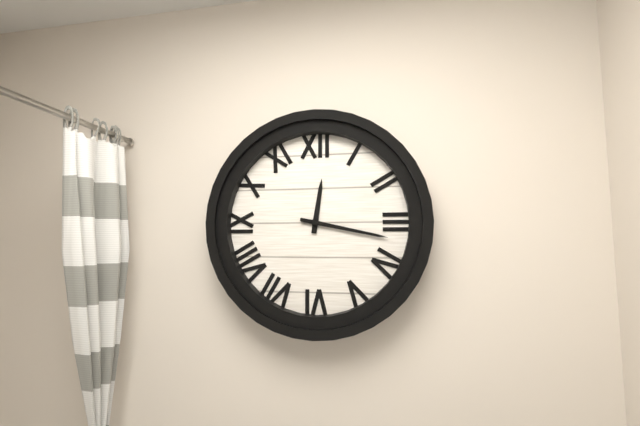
12:17
